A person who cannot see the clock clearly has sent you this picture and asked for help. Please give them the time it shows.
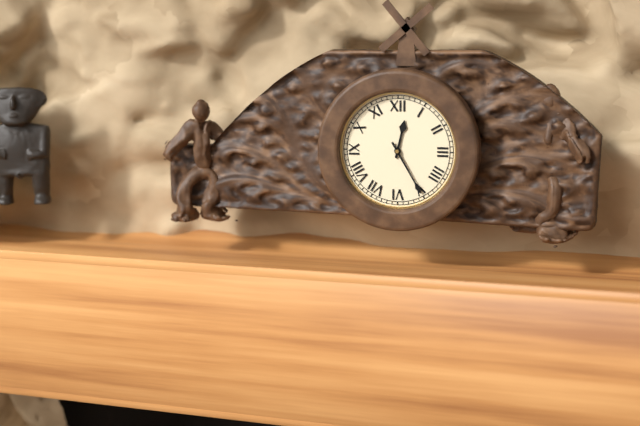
12:25
